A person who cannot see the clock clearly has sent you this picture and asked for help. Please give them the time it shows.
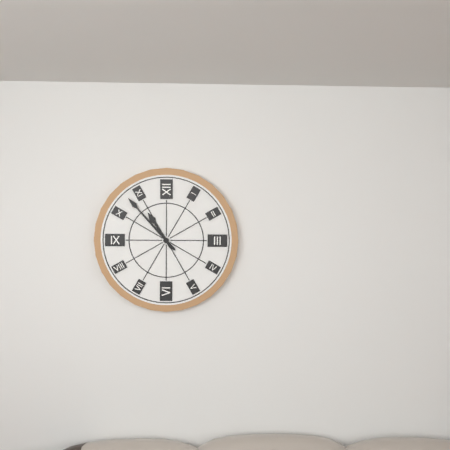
10:53
